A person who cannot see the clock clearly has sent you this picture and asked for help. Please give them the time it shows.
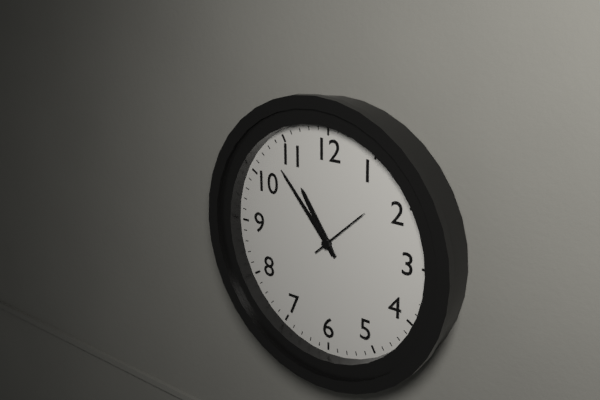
10:53:08
